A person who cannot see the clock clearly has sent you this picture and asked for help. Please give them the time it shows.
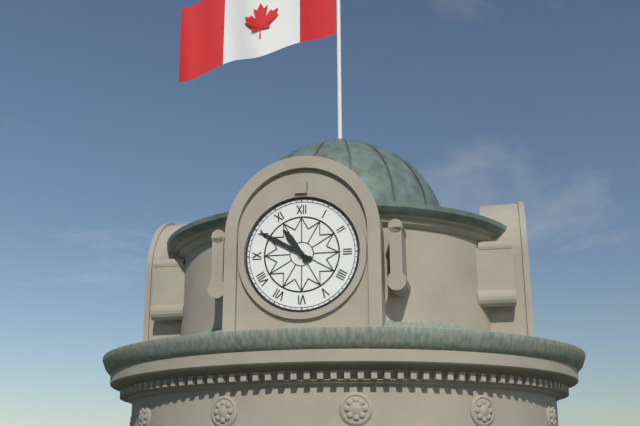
10:50
